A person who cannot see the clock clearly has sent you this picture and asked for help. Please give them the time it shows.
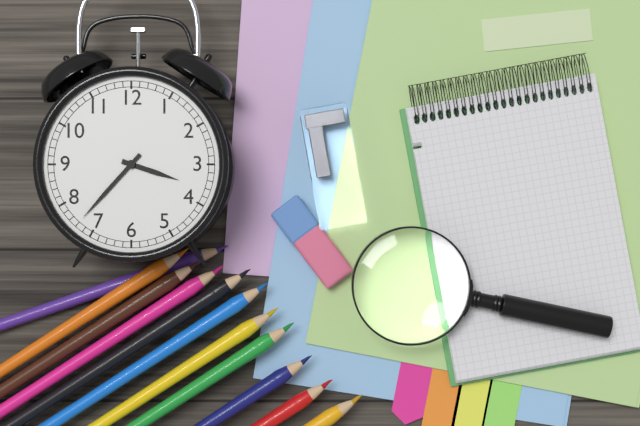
3:37
